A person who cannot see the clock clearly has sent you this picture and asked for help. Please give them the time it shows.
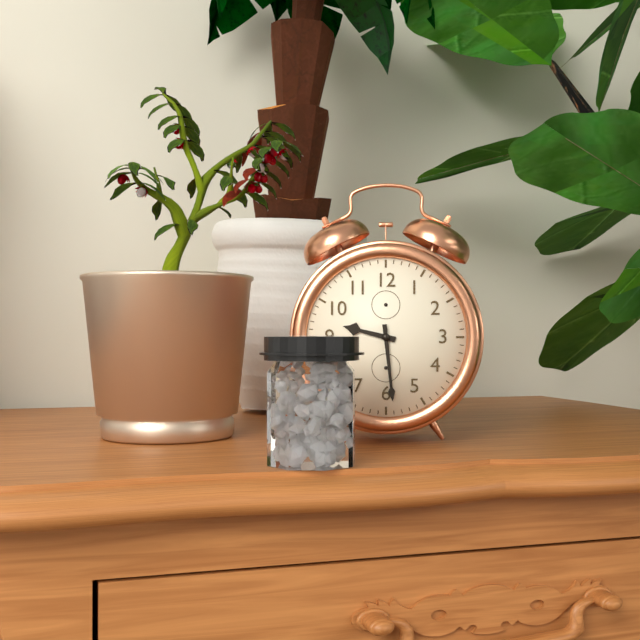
9:29
